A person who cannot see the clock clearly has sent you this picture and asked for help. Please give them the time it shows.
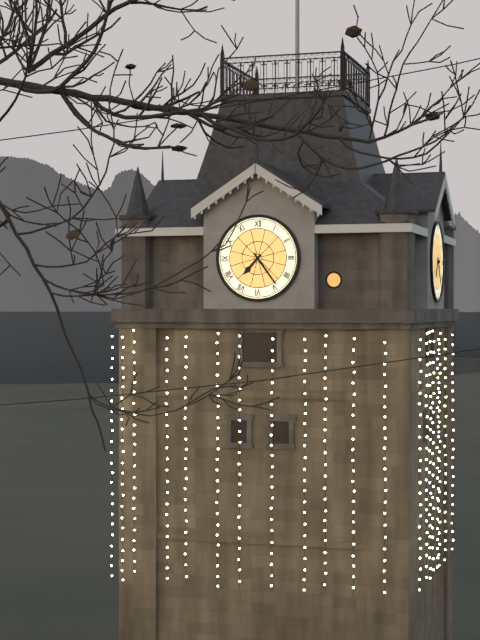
7:24
